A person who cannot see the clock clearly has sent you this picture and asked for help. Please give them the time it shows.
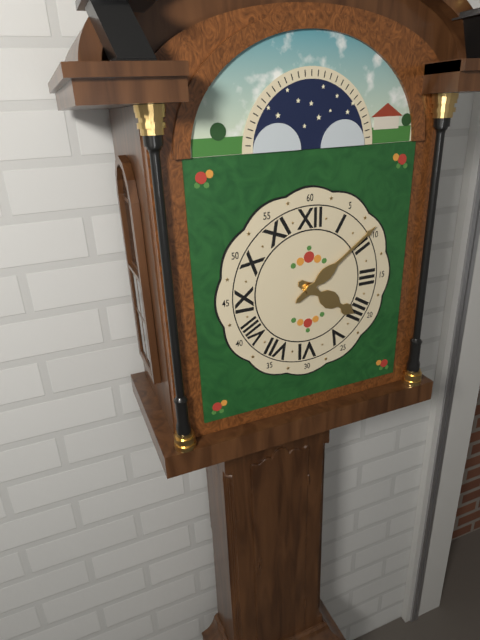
4:09
